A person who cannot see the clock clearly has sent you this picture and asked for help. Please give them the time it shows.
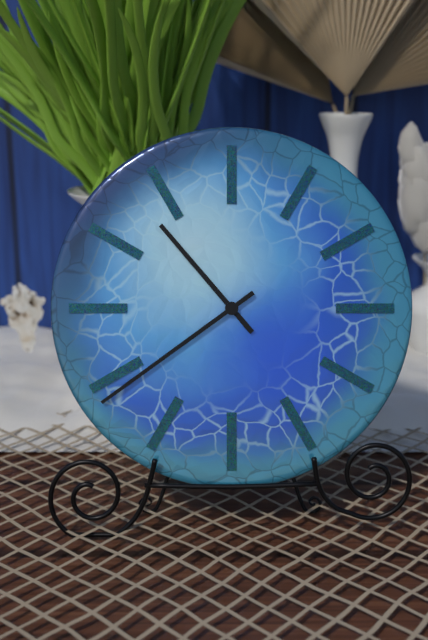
10:39
